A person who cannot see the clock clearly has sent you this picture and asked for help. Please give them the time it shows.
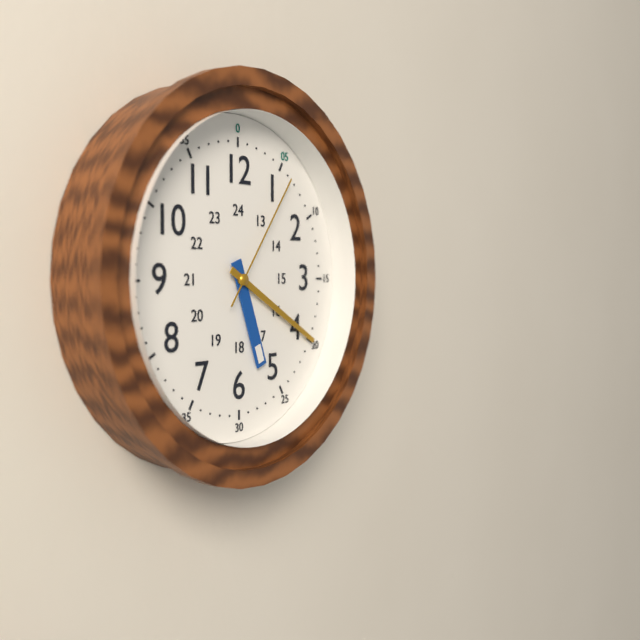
5:20:06
